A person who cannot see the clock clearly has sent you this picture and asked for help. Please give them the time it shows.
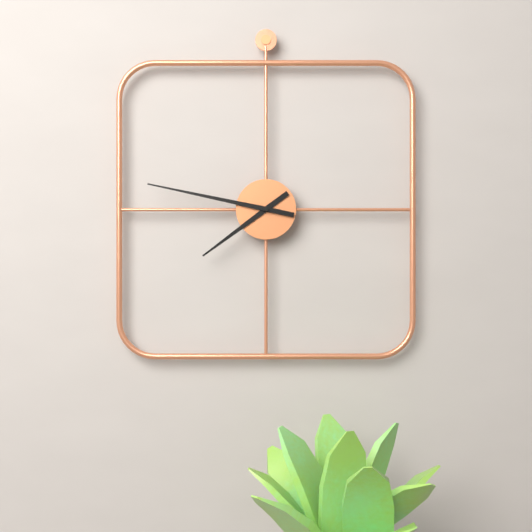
7:47
